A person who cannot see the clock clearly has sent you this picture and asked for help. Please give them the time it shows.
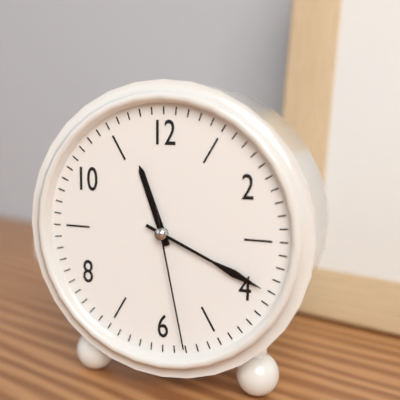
11:19:28
